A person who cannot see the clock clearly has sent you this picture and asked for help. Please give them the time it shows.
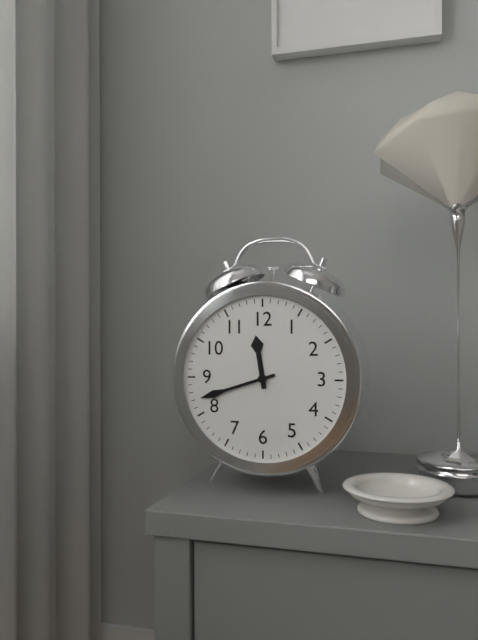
11:42
